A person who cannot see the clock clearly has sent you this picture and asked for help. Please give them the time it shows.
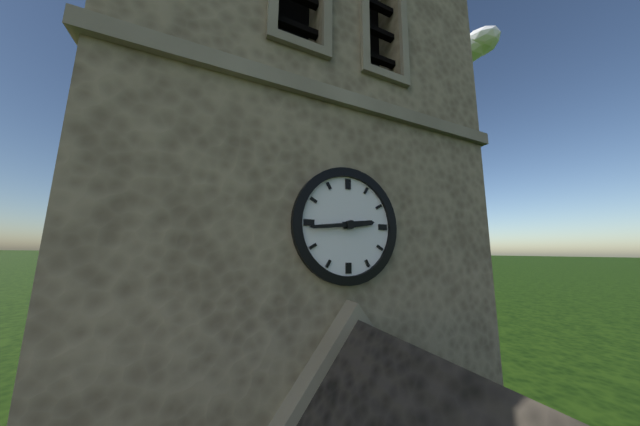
2:44
